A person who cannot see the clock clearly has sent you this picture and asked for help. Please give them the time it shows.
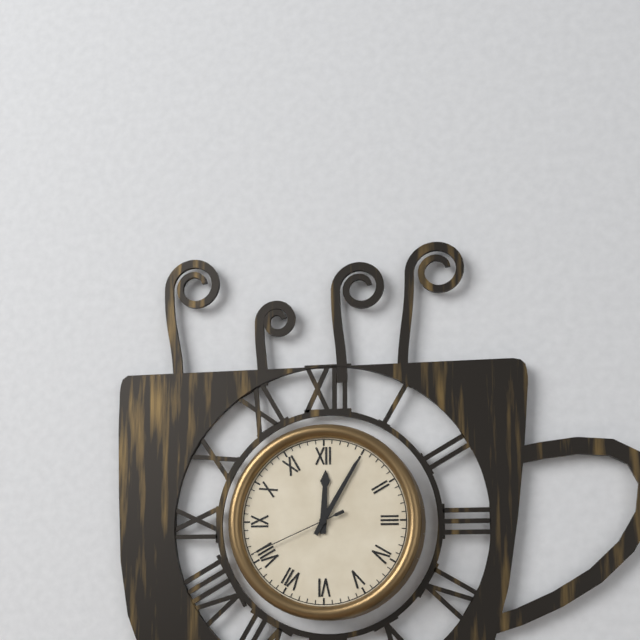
12:05:41
